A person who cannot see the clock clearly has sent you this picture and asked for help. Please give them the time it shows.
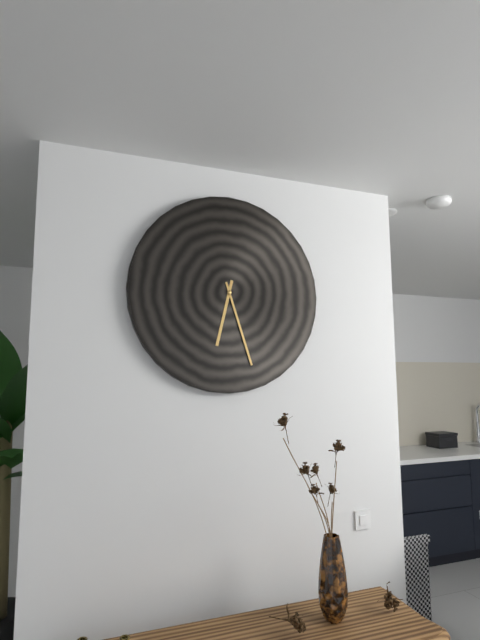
6:27
